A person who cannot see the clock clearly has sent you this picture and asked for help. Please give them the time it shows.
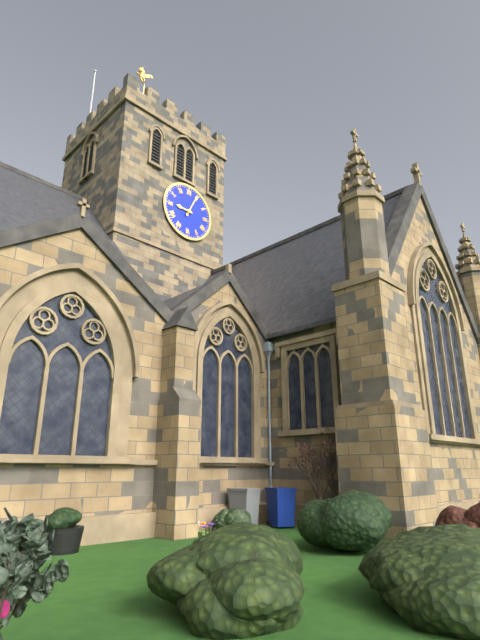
9:04
